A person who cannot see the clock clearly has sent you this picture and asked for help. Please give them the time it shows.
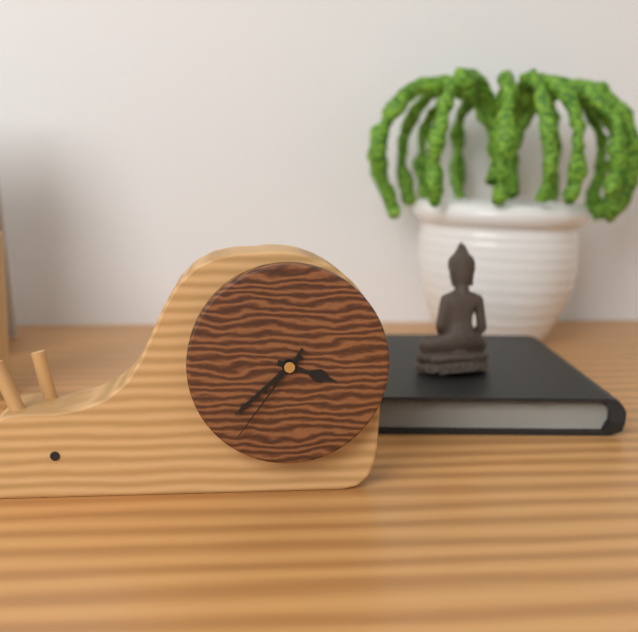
3:38:36
